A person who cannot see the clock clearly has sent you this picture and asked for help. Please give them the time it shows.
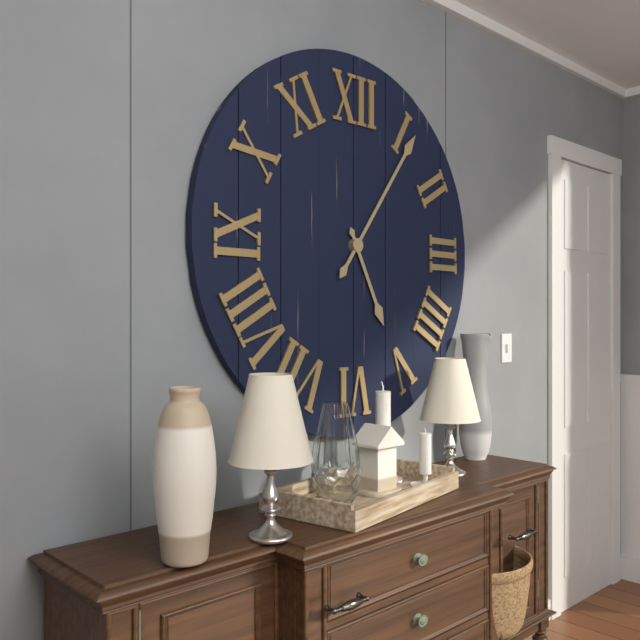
5:06
